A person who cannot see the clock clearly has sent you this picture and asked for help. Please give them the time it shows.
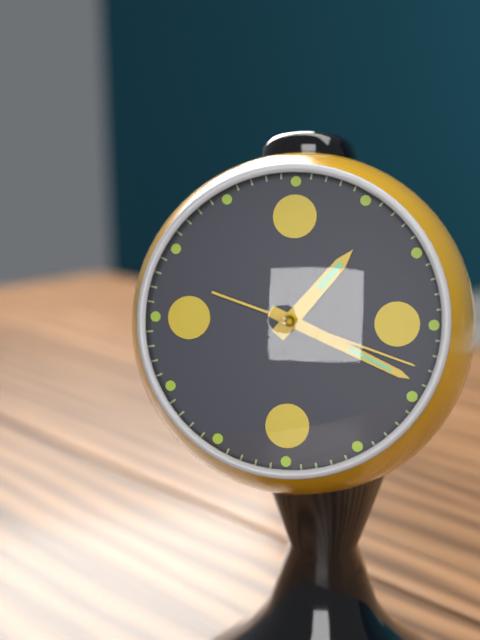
1:19:18
